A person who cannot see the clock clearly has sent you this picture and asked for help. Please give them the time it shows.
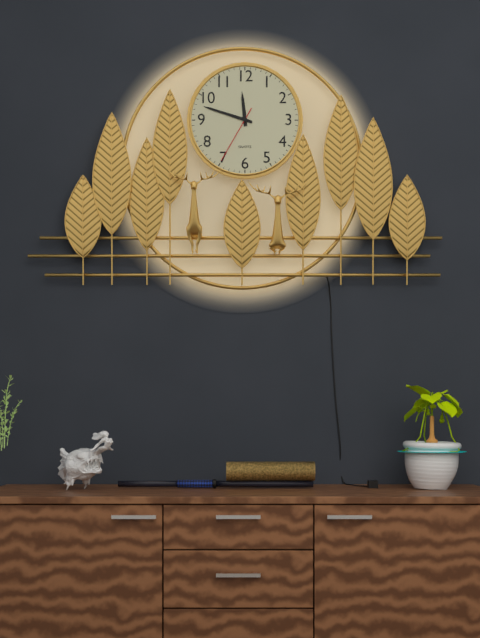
11:48:35
